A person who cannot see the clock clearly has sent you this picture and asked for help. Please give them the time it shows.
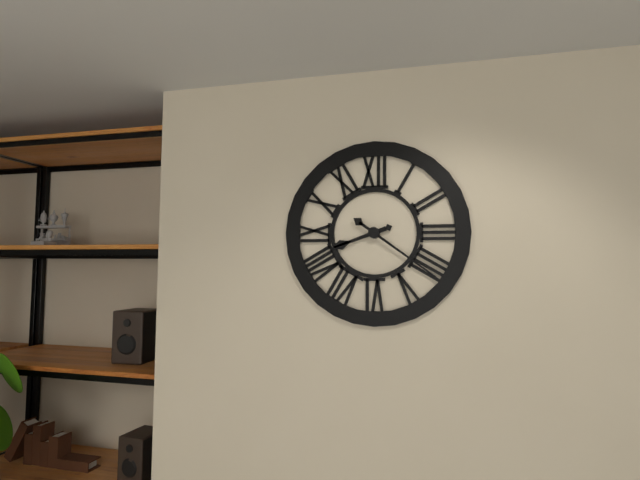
8:21
